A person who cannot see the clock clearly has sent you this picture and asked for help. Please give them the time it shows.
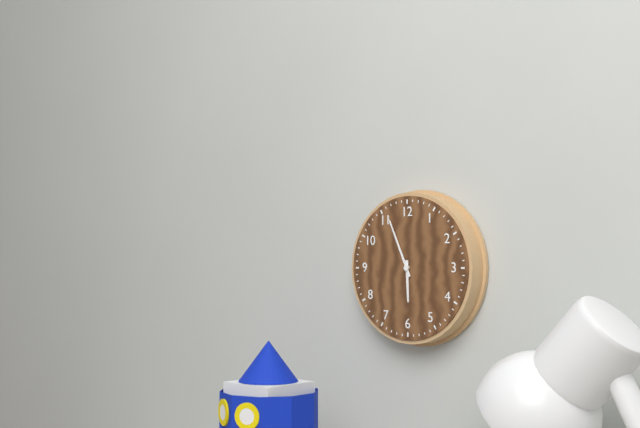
5:56
